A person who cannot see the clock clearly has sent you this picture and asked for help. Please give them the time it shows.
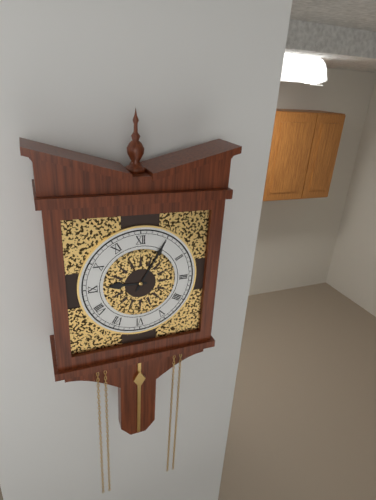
9:05
